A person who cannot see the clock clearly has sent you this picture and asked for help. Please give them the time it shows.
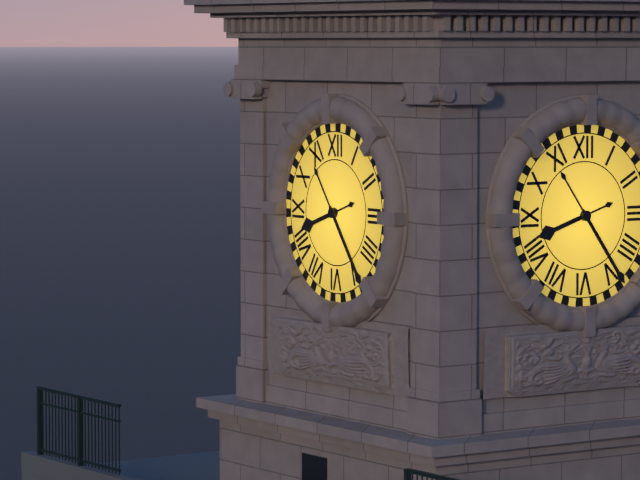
8:24
